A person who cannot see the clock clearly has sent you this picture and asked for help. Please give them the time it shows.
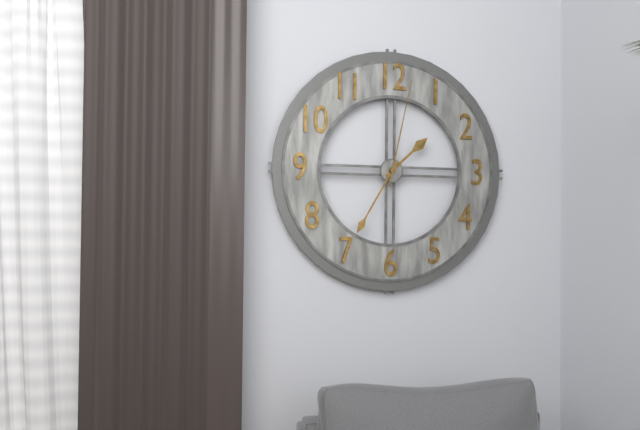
1:35:02
